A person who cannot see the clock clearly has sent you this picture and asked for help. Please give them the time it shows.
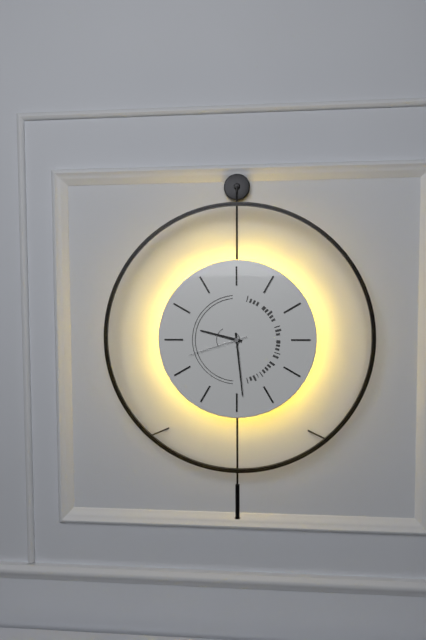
9:29:42
